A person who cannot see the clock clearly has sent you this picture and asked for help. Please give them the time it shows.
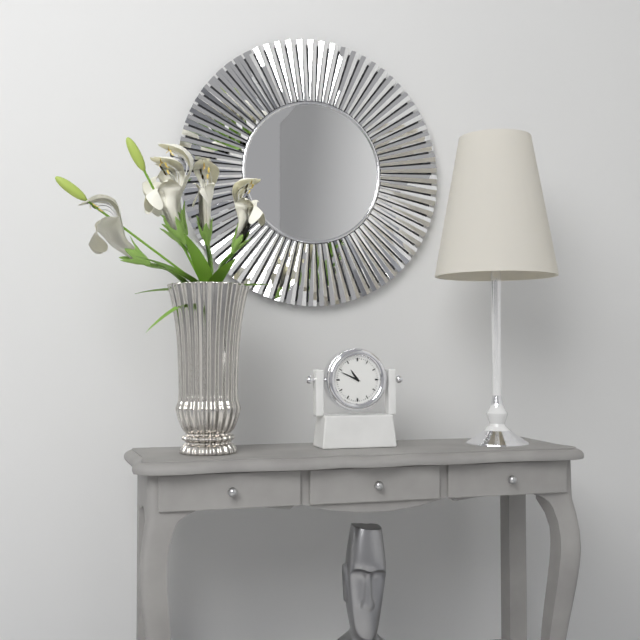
10:49
